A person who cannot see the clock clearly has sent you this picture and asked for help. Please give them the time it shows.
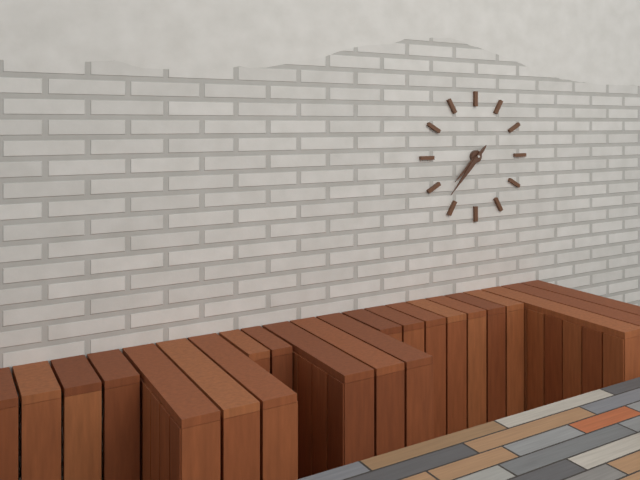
7:37
